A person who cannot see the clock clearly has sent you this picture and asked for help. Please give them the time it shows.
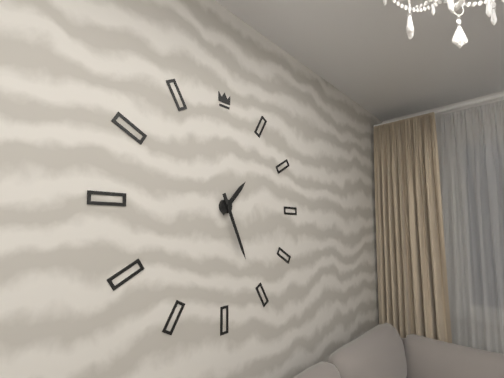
1:26
